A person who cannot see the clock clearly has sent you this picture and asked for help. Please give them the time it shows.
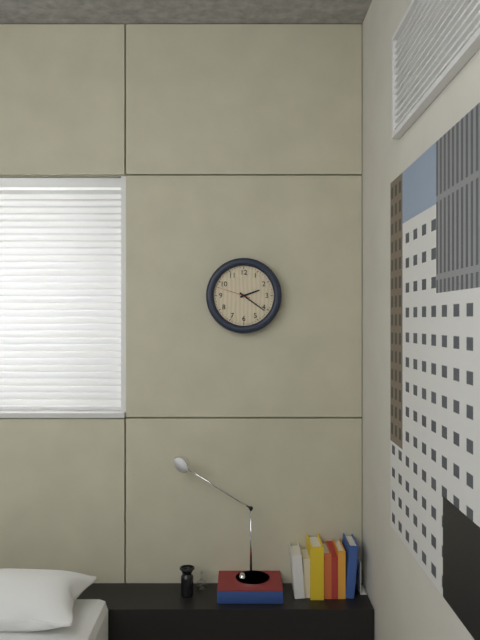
2:21
